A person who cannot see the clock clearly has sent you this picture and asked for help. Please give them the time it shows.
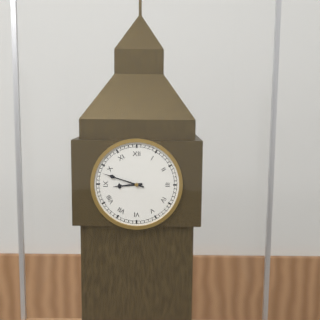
8:48
